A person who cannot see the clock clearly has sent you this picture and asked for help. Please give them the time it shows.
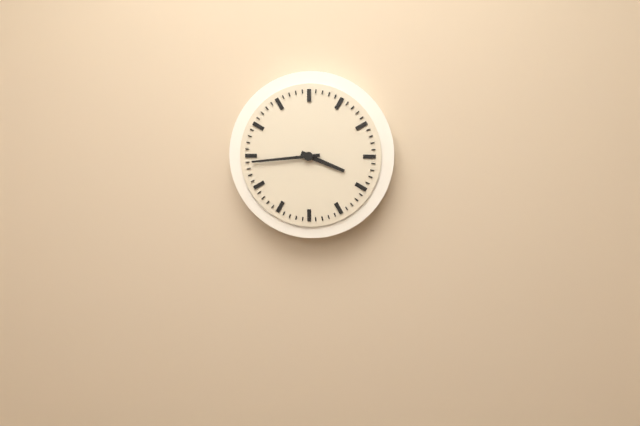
3:44
